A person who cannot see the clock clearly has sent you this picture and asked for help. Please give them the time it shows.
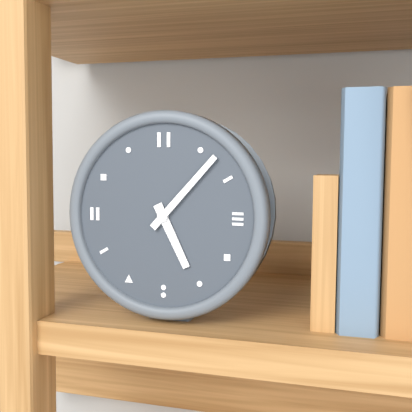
5:07
